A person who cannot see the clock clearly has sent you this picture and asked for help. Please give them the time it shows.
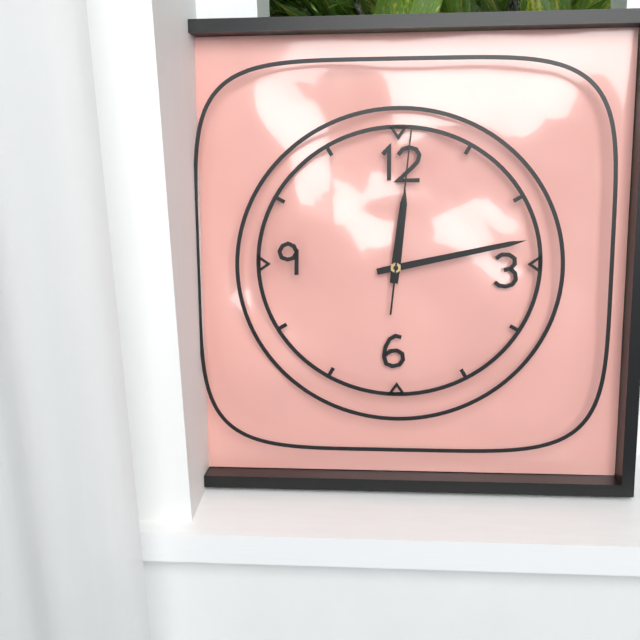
12:13:01
